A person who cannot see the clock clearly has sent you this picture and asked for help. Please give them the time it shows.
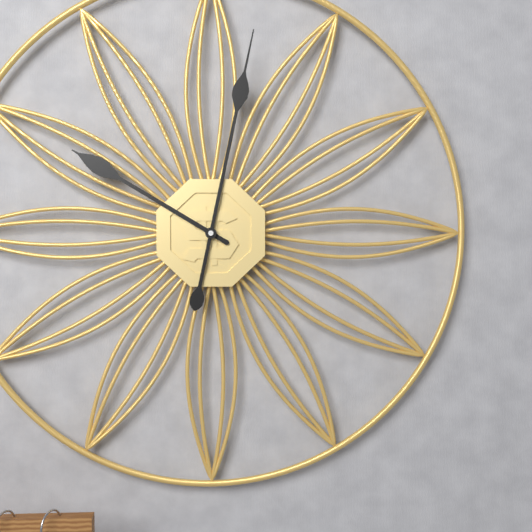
10:02
